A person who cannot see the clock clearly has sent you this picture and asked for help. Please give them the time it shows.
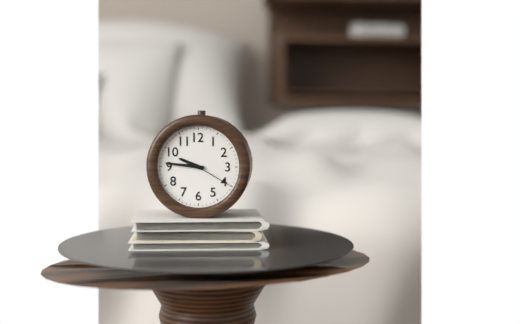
9:46
